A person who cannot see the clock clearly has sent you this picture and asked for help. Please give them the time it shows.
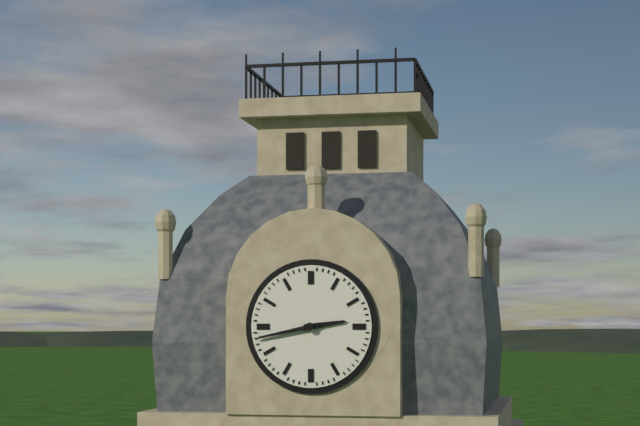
2:43
